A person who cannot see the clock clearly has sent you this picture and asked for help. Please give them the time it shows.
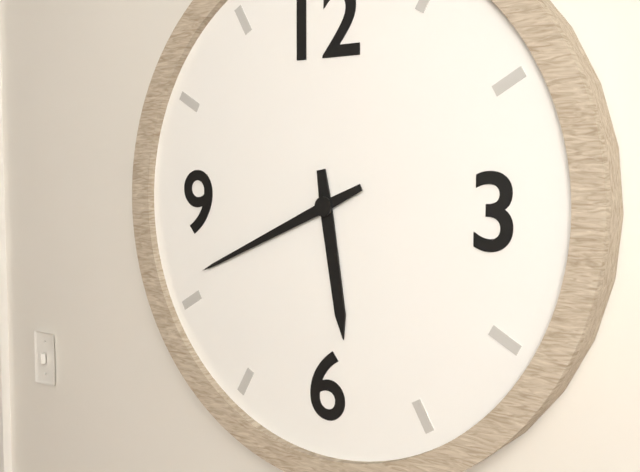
5:41
